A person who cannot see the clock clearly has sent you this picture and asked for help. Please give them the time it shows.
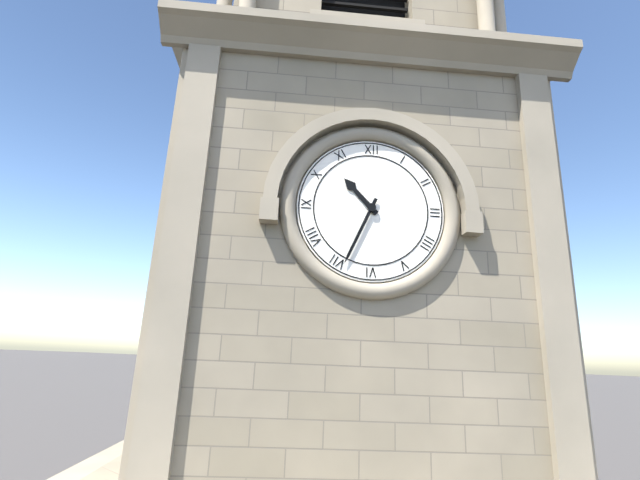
10:34
